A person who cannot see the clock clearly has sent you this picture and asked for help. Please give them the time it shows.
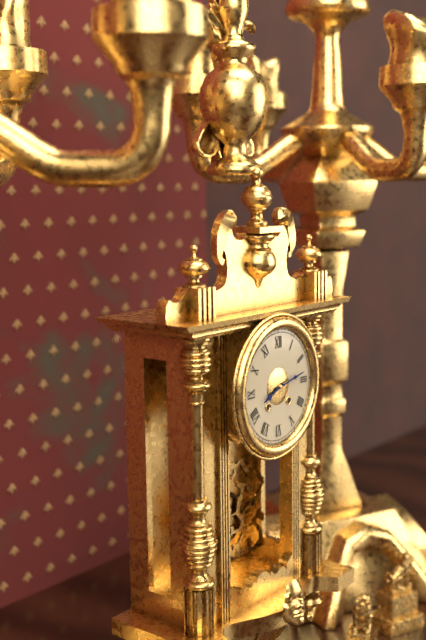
8:13
